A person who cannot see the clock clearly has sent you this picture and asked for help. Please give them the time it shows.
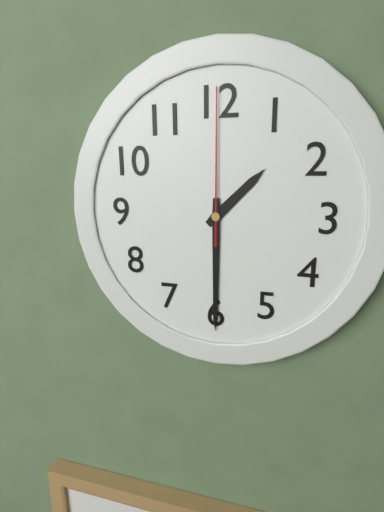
1:30:00
